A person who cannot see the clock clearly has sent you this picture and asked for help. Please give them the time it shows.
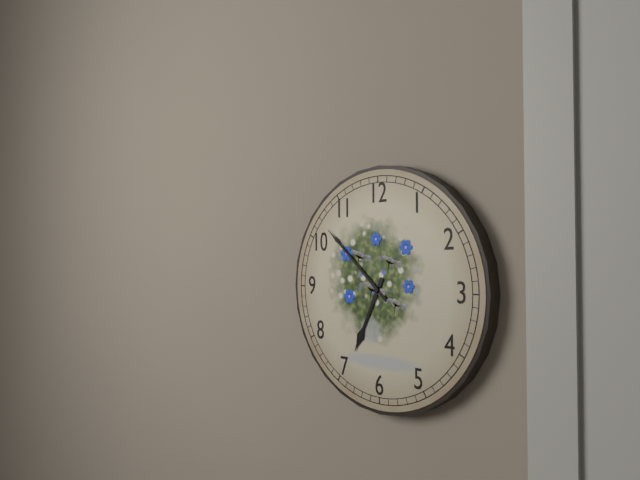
6:52
